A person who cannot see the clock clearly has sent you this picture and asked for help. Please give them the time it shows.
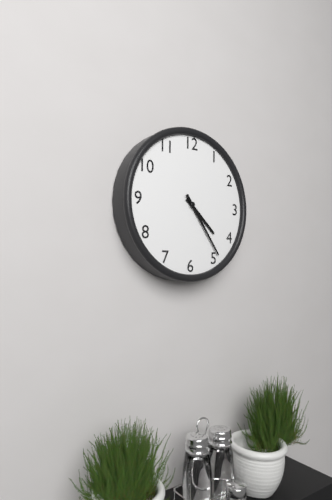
4:24
